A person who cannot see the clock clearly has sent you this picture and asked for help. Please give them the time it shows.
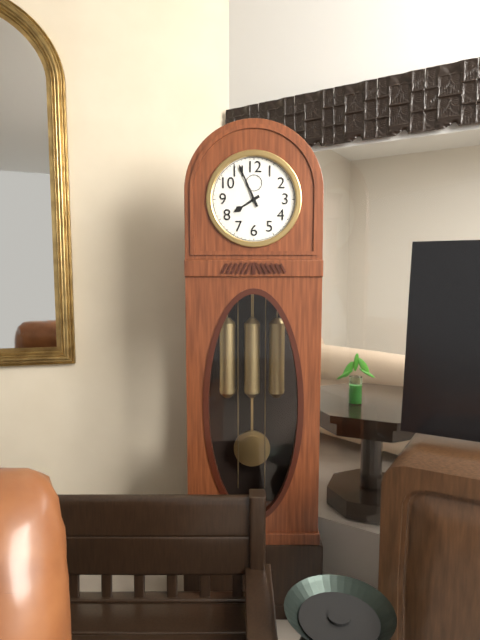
7:56
